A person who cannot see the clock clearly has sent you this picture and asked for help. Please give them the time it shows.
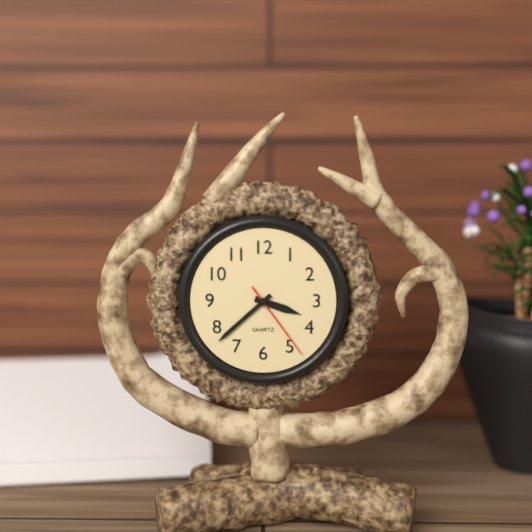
3:38:24
